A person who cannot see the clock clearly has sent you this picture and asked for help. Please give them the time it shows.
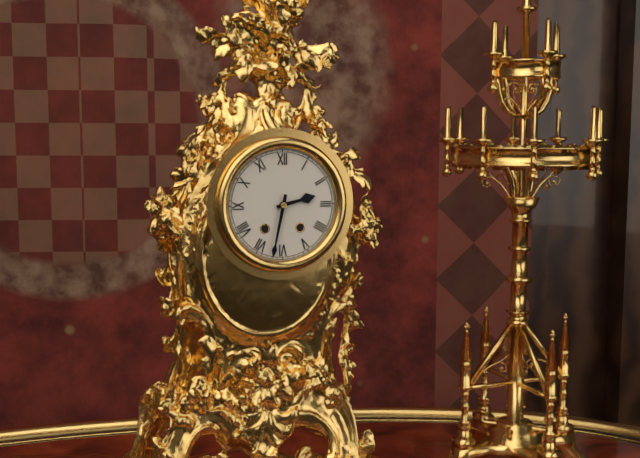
2:32
